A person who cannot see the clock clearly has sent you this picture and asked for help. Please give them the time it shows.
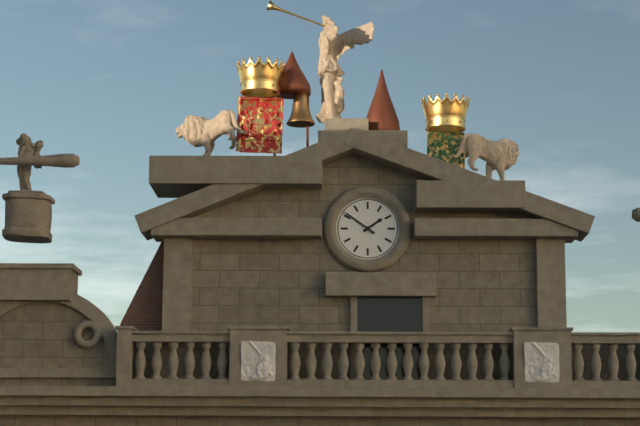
1:51
